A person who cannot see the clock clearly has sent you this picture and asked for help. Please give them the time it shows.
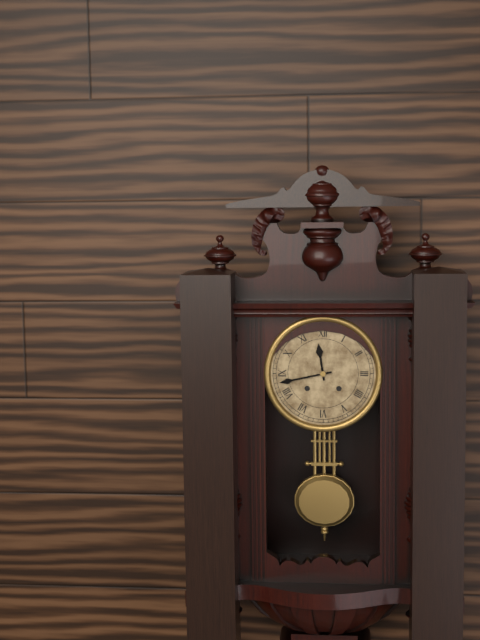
11:43
